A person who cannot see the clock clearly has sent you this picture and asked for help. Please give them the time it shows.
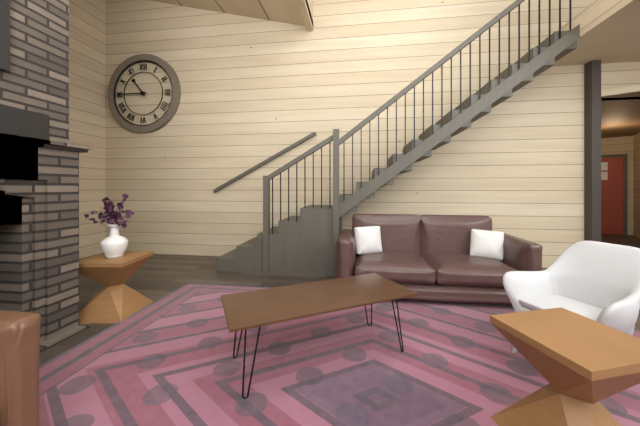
10:45
